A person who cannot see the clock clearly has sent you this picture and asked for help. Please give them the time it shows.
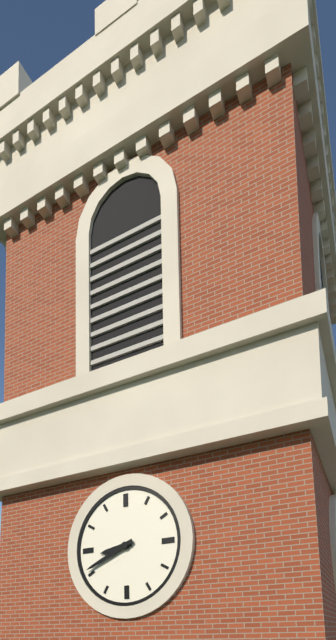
8:41
